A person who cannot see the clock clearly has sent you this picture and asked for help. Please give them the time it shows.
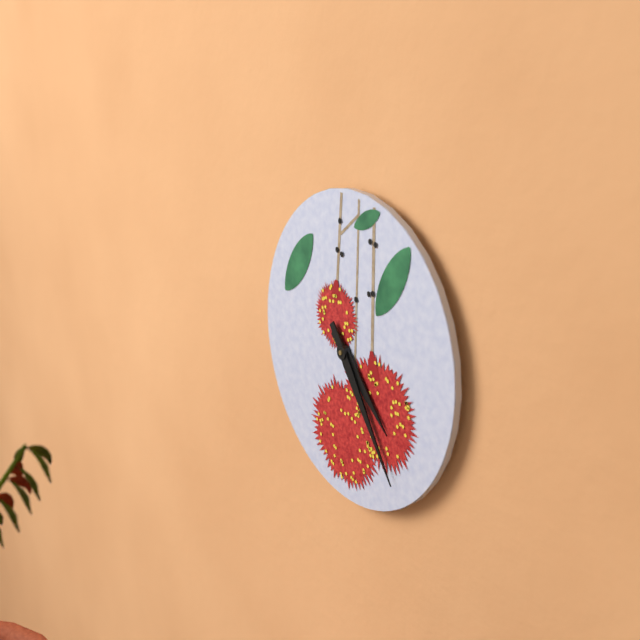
4:24
